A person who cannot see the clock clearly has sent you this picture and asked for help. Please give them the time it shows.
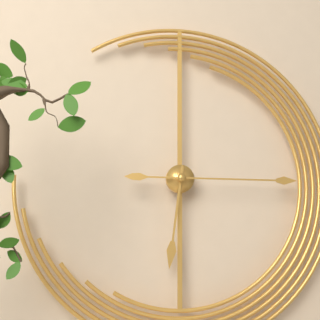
6:15
